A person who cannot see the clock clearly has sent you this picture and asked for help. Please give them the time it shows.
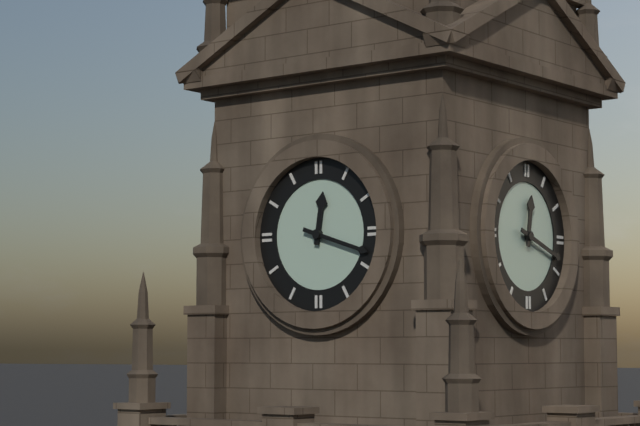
12:18
